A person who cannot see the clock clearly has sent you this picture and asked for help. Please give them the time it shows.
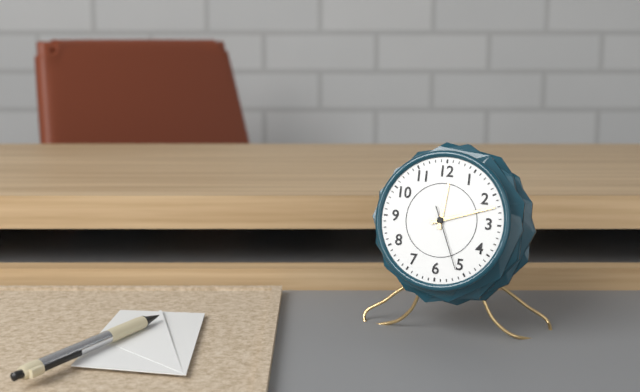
12:12:26
